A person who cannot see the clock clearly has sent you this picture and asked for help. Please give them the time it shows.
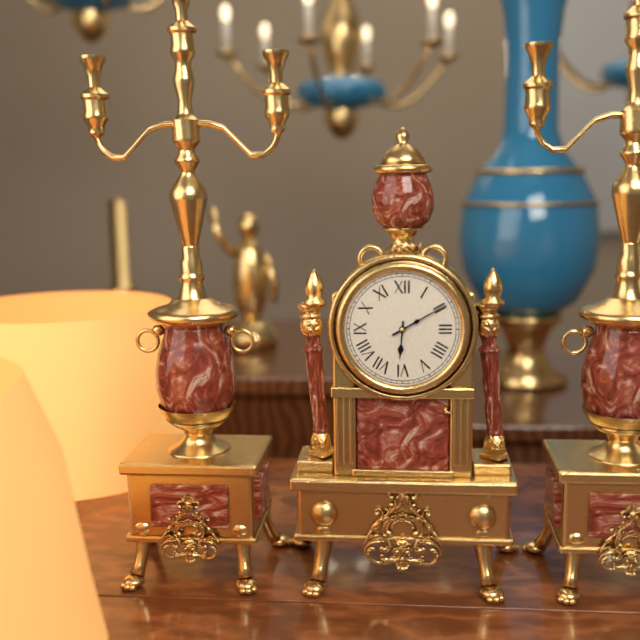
6:10
